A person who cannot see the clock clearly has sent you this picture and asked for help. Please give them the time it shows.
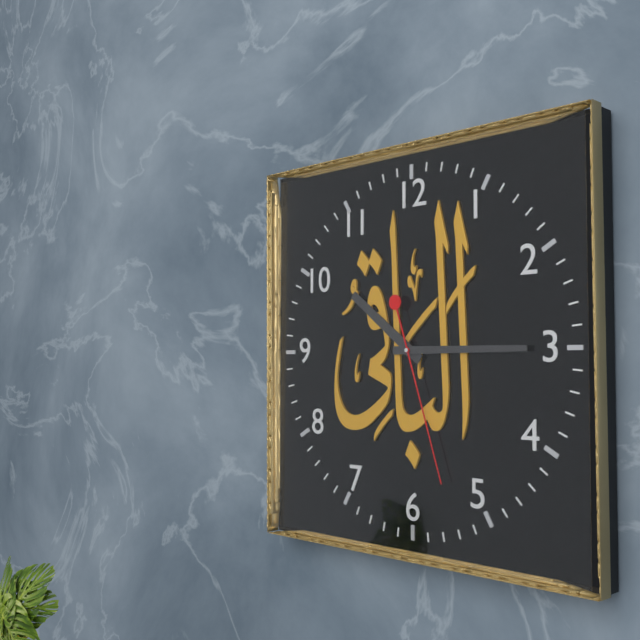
10:15:27
